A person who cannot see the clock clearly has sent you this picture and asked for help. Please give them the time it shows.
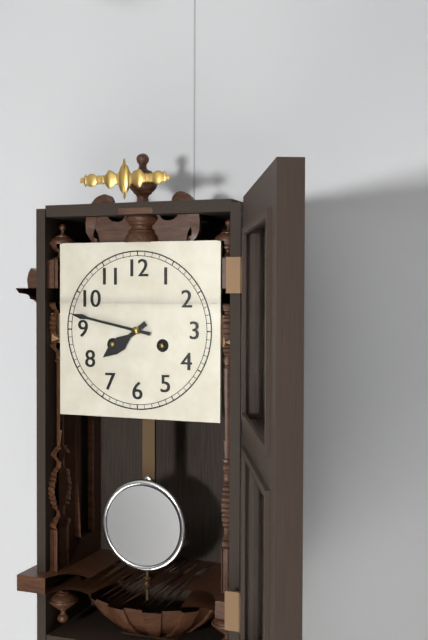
7:47
